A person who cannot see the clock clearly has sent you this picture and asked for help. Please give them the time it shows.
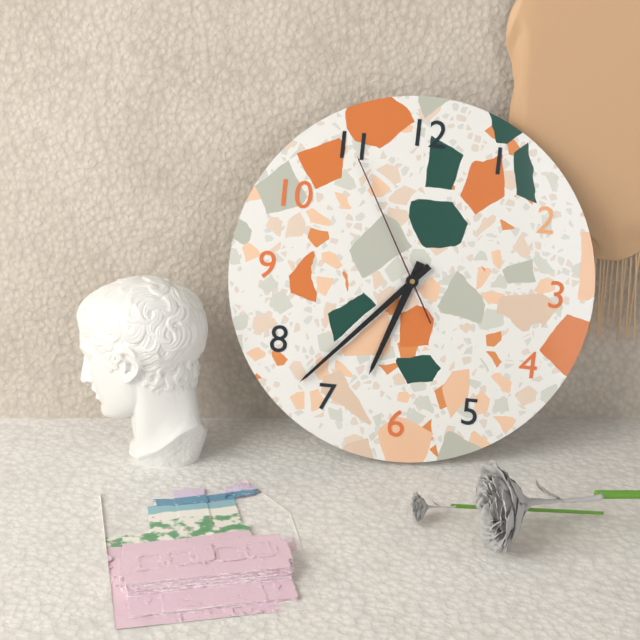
6:37:55
